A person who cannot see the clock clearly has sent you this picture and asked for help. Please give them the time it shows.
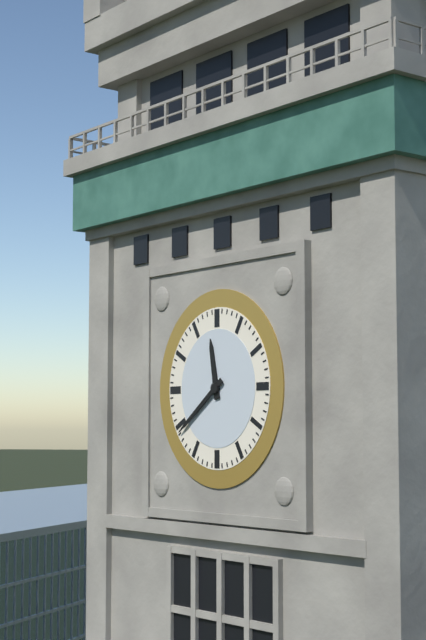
11:39
